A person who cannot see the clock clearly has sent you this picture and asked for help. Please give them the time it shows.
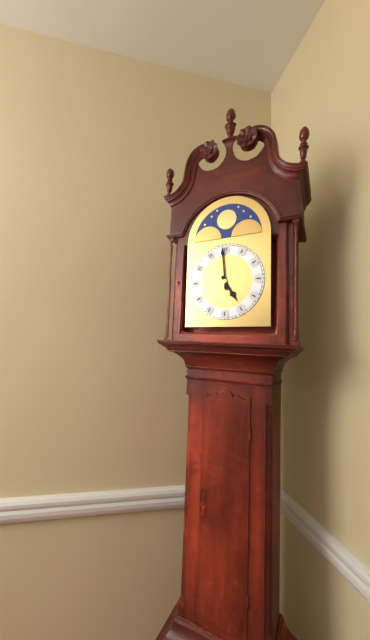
4:59
